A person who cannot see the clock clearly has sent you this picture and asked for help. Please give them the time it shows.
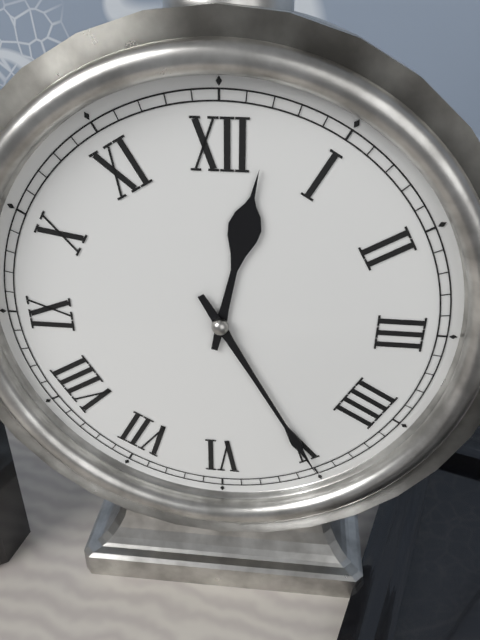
12:25
